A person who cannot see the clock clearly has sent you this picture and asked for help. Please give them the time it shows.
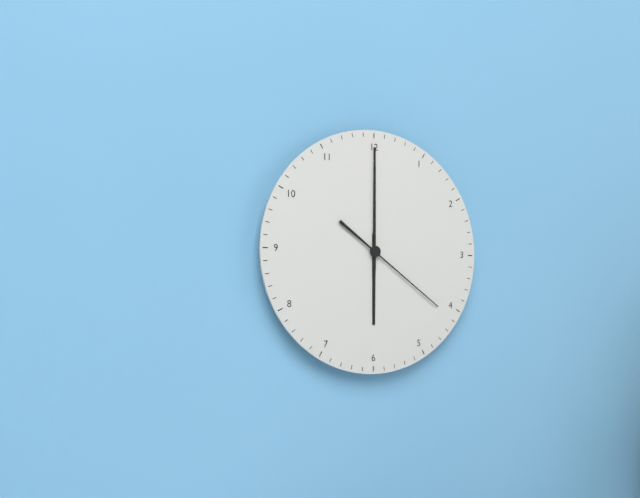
6:00:21
